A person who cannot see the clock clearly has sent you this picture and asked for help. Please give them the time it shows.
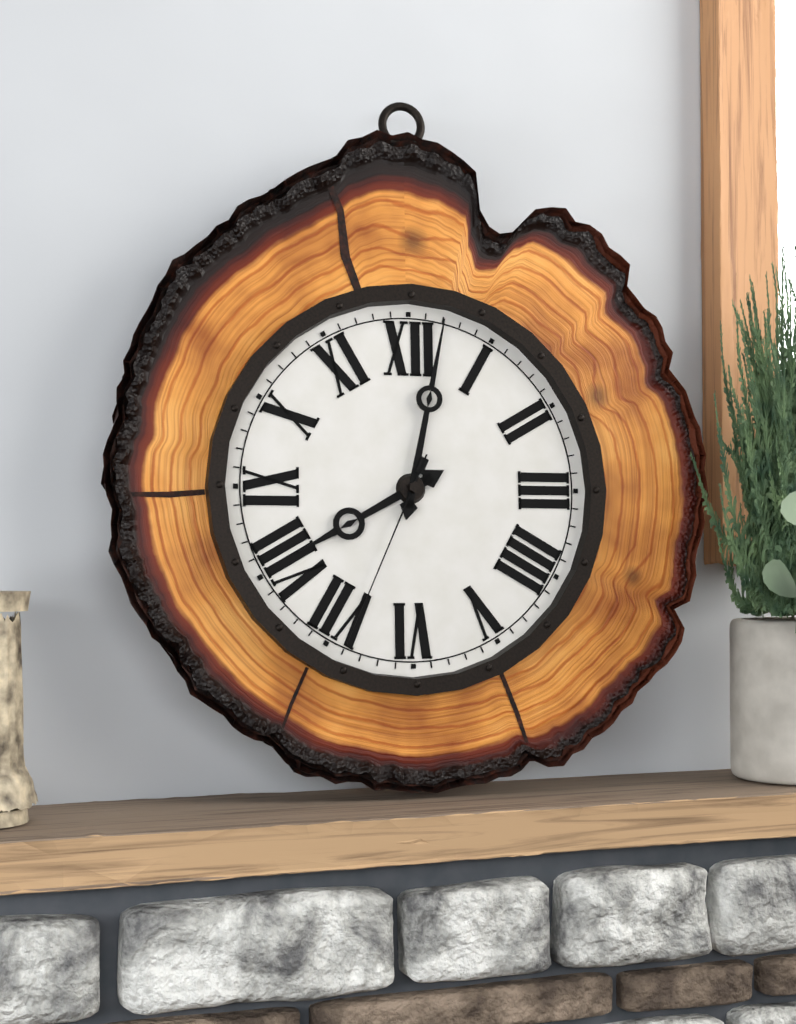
8:02:34
